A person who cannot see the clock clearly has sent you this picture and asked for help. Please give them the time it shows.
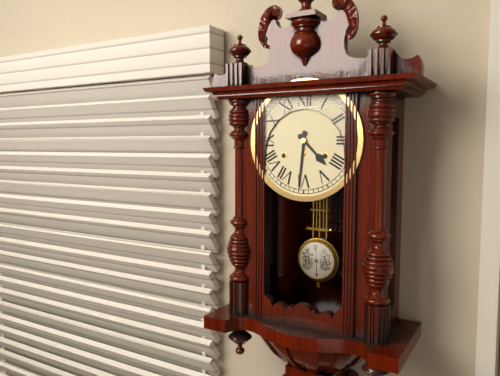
4:31
